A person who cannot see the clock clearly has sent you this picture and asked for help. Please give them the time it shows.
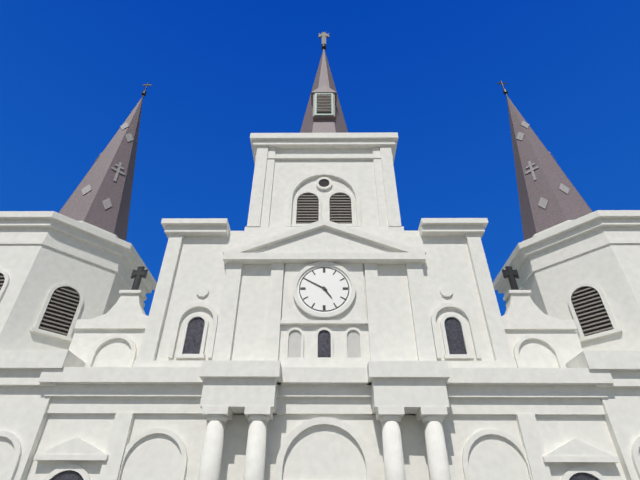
4:50
